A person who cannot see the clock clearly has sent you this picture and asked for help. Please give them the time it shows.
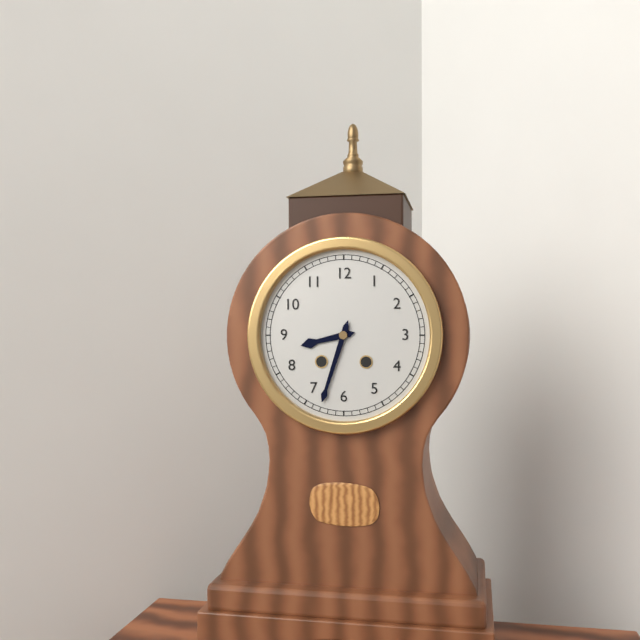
8:33
